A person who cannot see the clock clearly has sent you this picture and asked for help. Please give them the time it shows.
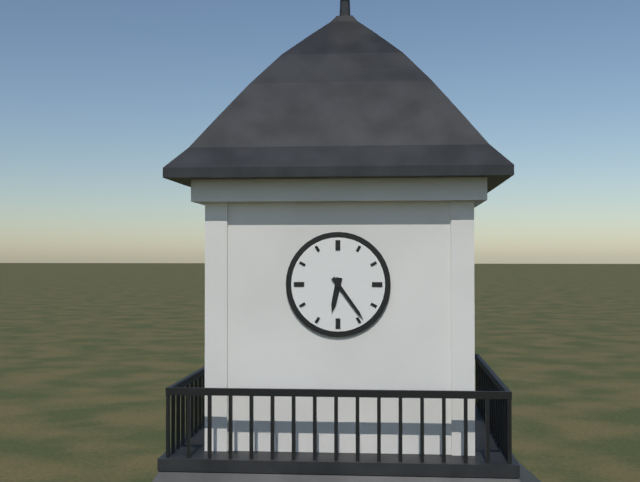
6:24
